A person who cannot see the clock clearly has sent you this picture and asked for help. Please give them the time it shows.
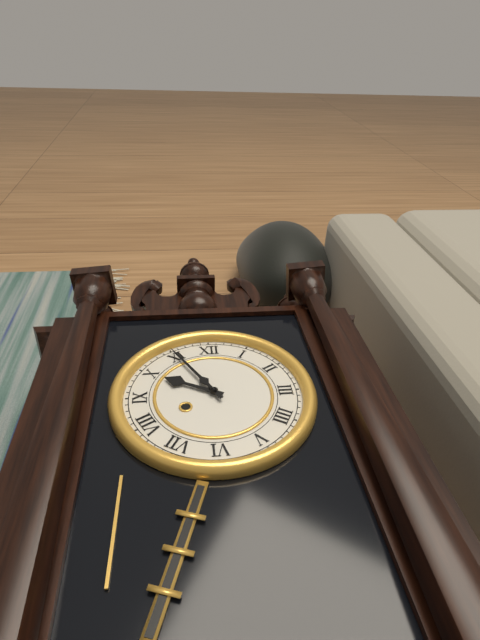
9:55
